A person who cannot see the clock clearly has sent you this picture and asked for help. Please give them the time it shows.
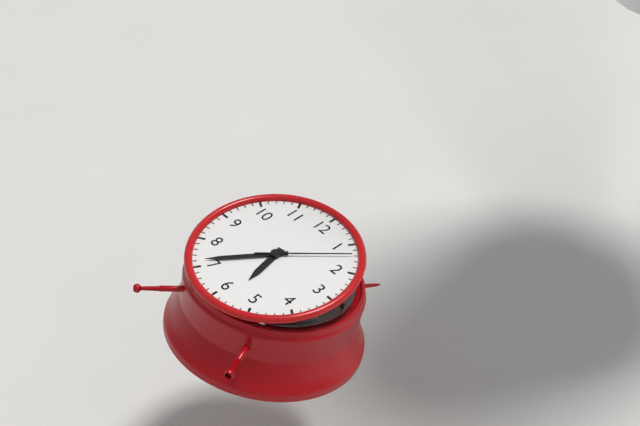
5:36:07
